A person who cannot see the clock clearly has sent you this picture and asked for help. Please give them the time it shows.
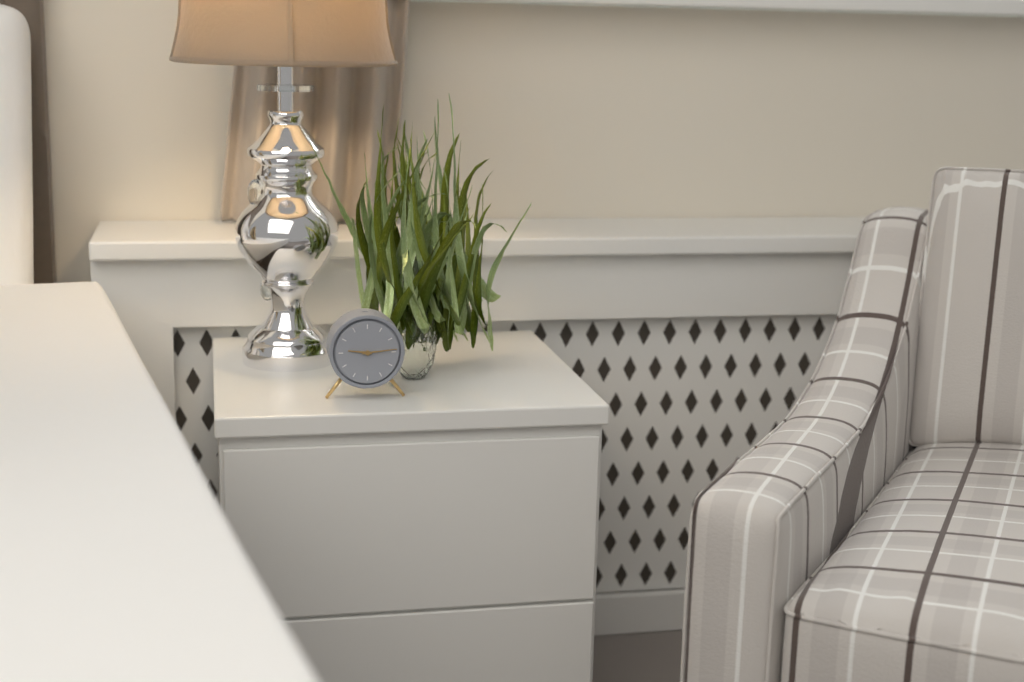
9:14
